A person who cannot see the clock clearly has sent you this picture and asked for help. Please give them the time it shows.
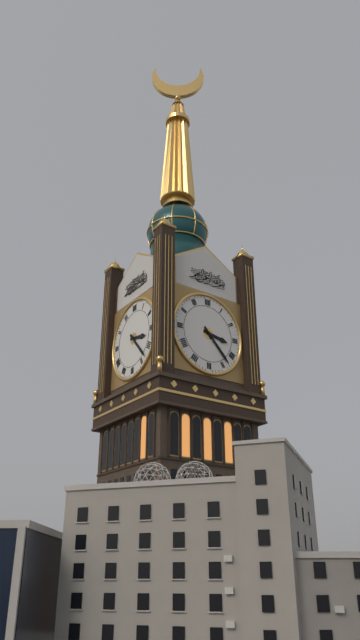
3:23
